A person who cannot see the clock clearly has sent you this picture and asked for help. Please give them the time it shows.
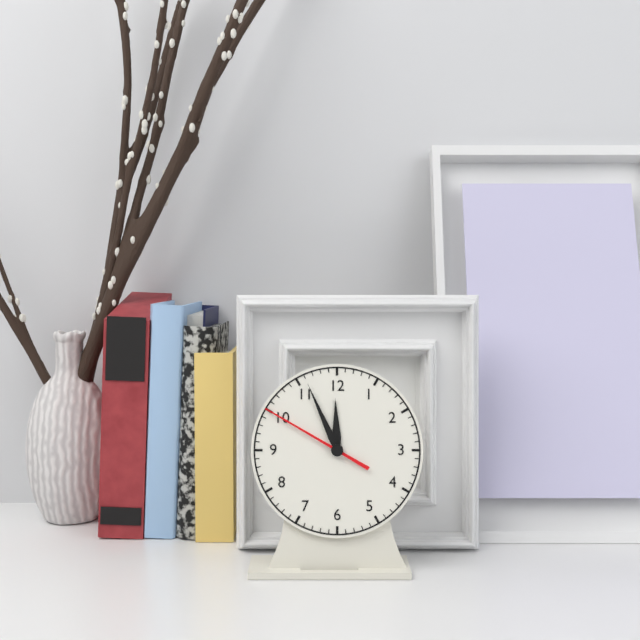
11:56:50
